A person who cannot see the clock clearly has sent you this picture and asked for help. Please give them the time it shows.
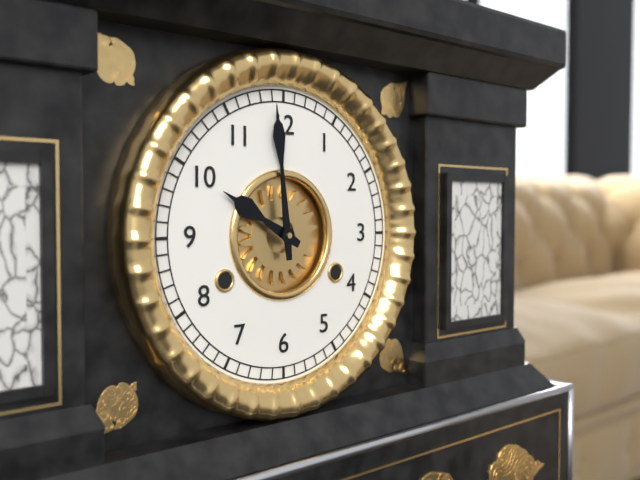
9:59
